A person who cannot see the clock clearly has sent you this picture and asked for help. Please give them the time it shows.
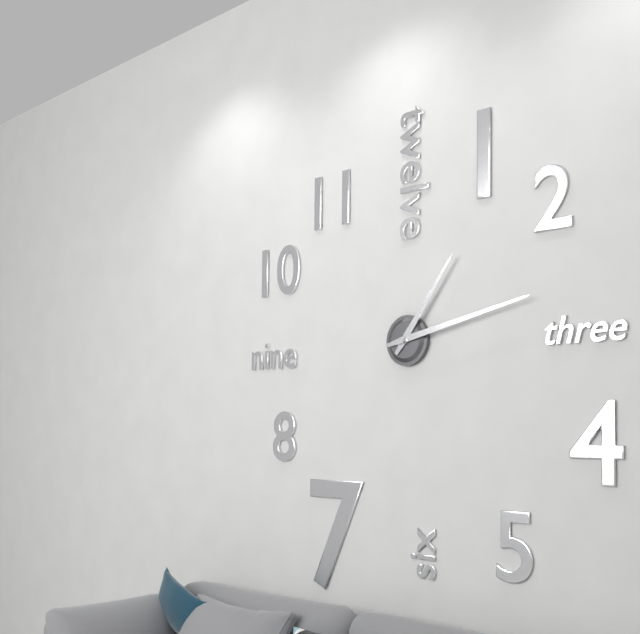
1:13
